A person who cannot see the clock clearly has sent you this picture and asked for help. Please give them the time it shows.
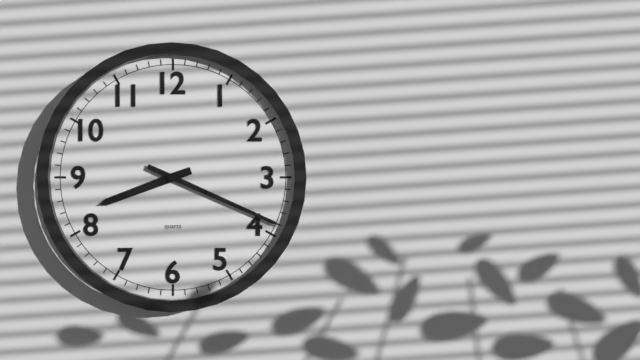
8:19
